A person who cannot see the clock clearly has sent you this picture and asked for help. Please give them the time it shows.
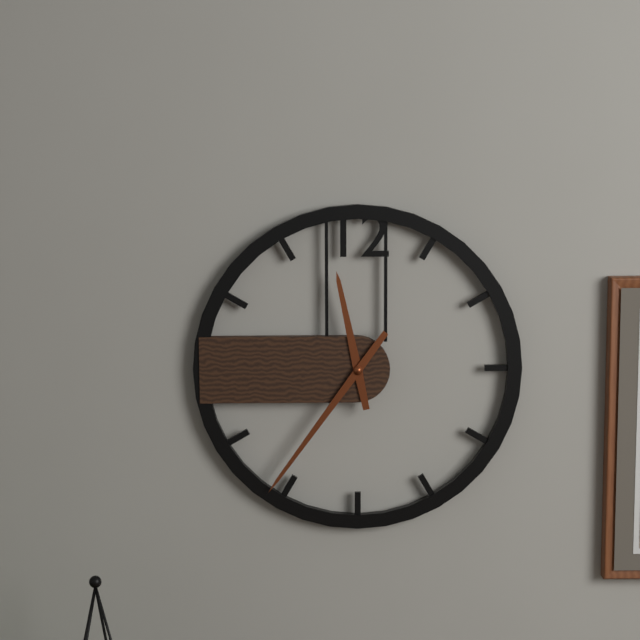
11:36
